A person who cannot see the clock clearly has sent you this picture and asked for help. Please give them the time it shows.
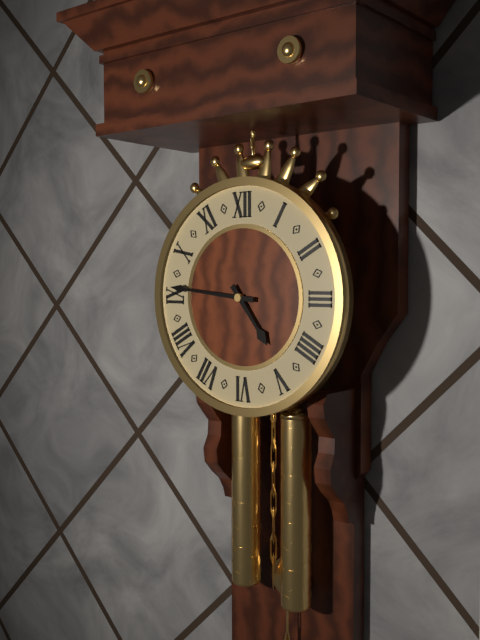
4:46
